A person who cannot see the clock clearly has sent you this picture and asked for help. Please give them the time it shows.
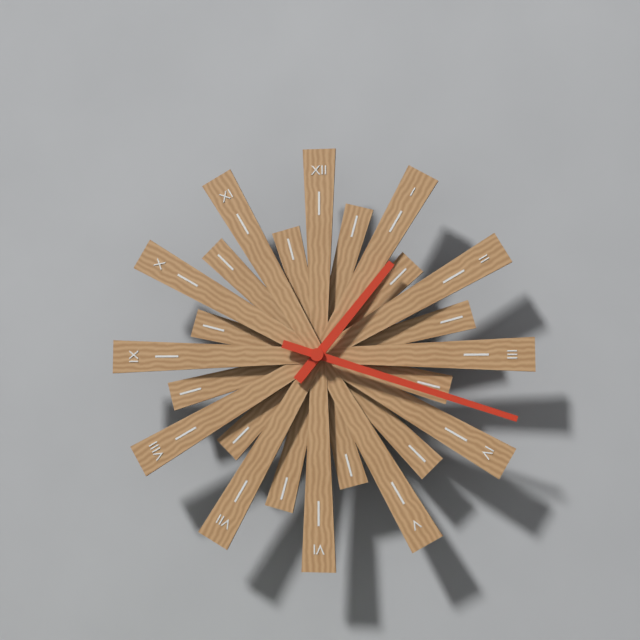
1:18
